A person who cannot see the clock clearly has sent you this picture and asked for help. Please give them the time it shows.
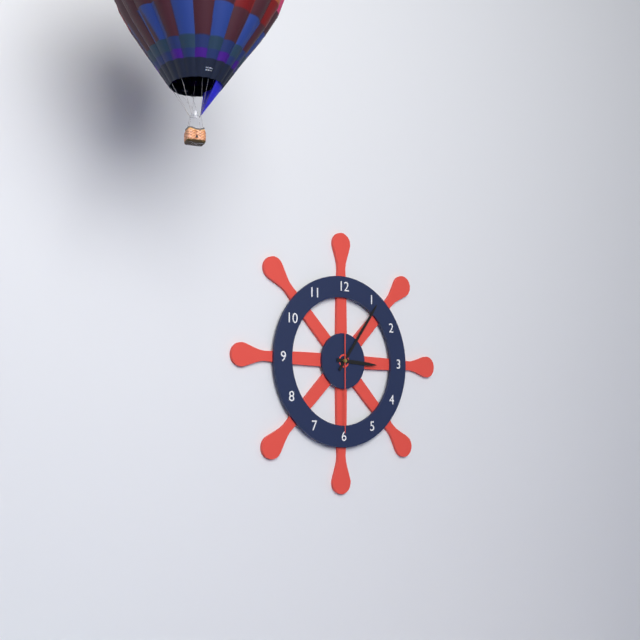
3:06:30
